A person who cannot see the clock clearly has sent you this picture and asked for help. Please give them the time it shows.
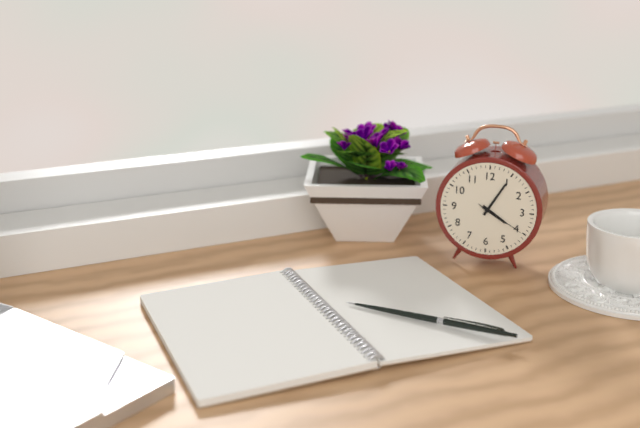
4:05:20
